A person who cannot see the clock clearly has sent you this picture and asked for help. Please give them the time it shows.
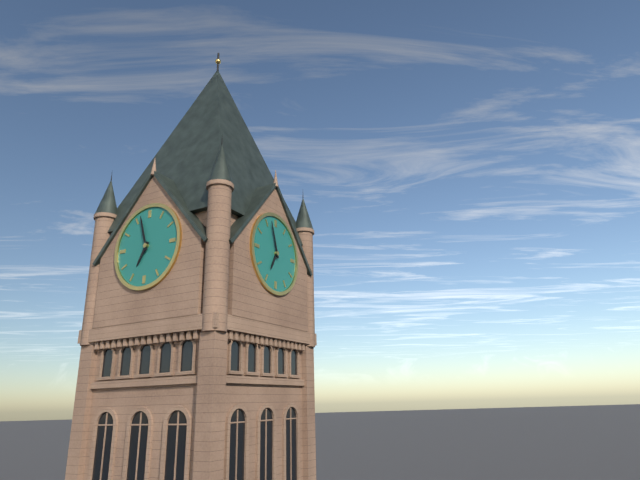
6:57
